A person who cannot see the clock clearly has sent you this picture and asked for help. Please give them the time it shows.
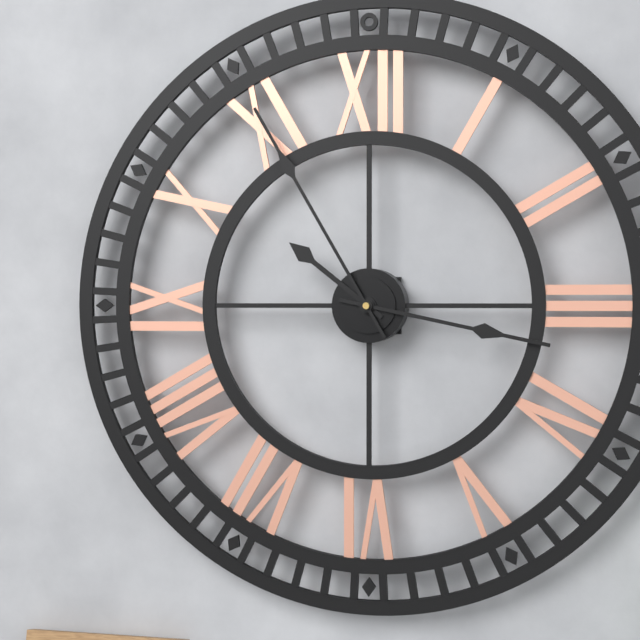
10:17:55
